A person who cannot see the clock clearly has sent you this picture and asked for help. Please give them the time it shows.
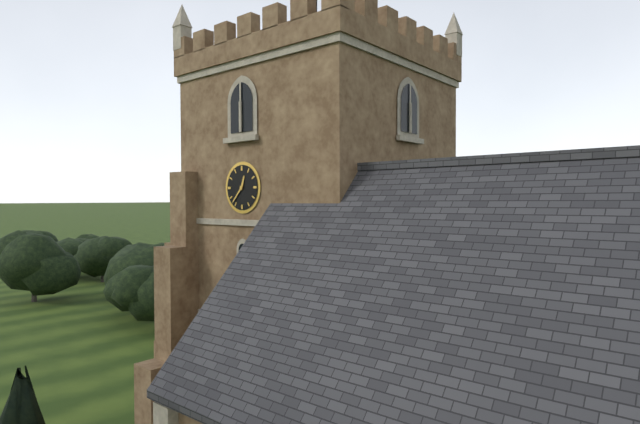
12:37
